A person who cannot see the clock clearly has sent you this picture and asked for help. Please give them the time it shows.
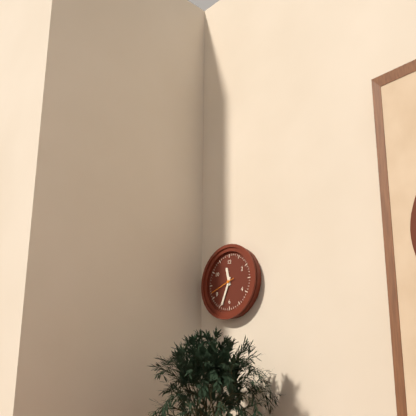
11:34
